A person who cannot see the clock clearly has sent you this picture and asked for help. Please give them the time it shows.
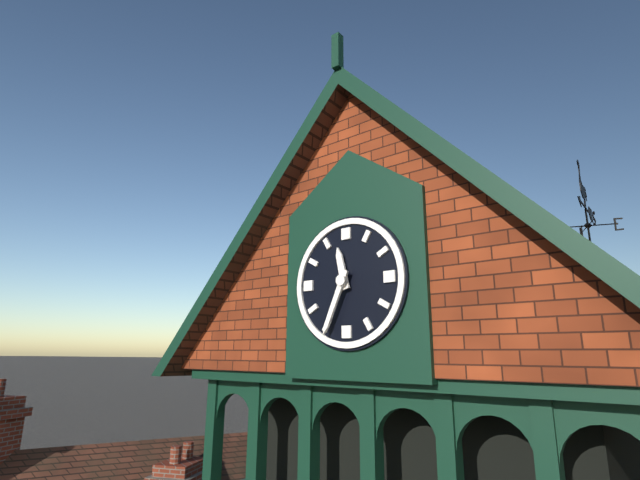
11:34
